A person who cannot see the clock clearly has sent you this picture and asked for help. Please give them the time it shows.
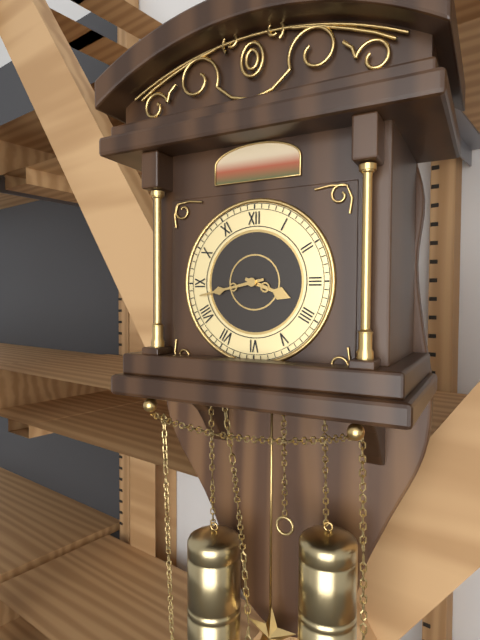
3:43
